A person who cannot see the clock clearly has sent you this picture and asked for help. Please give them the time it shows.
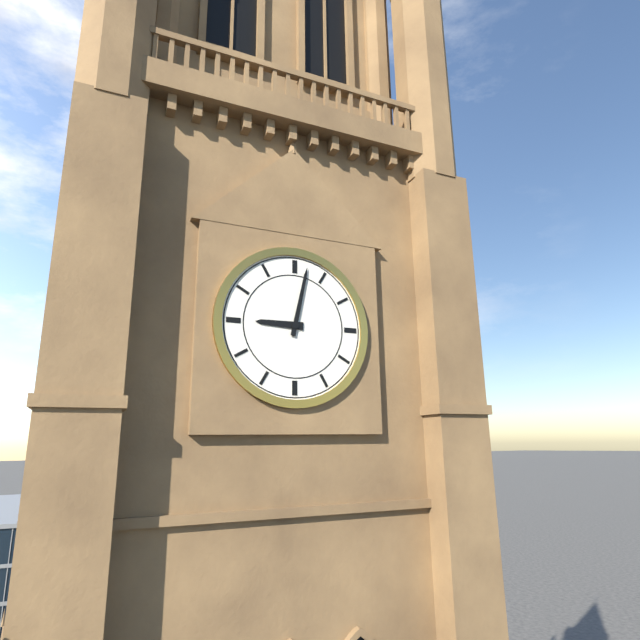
9:02
